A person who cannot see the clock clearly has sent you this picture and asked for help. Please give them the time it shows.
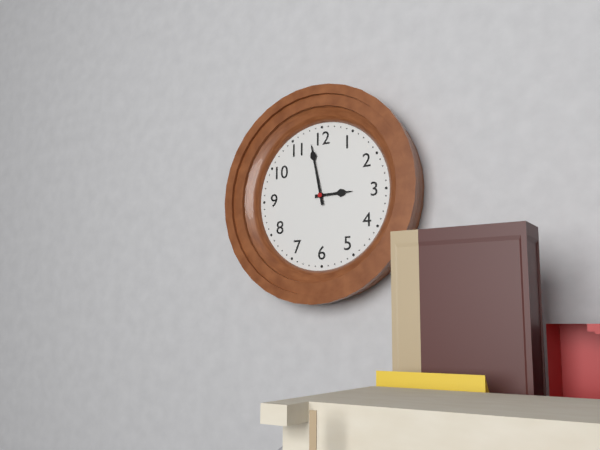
2:58
